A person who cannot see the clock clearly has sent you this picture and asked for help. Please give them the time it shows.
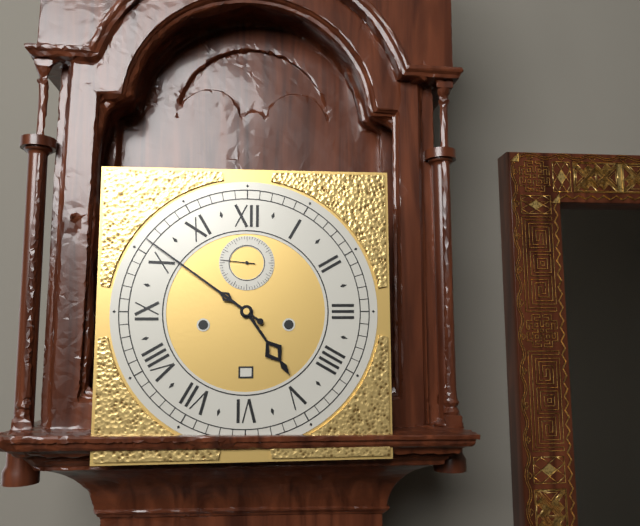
4:51
